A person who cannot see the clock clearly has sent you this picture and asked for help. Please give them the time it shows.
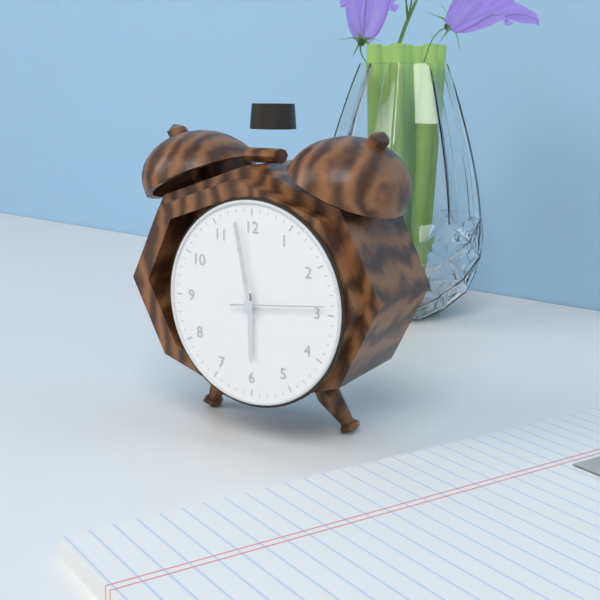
5:58:14
